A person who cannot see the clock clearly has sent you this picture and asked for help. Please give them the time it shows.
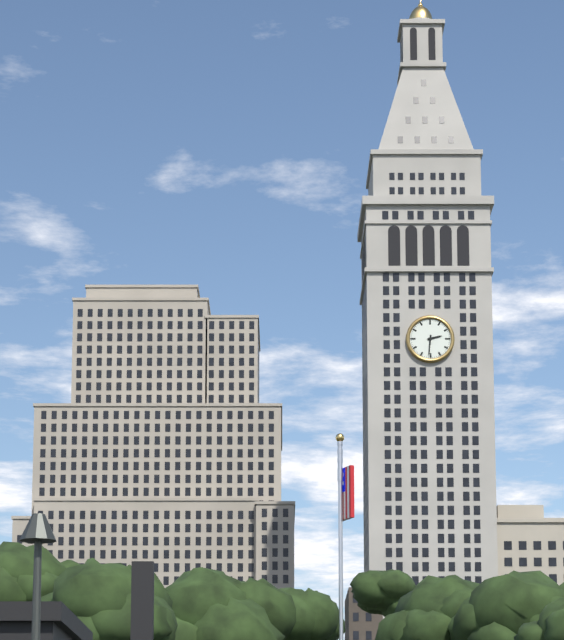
2:31
